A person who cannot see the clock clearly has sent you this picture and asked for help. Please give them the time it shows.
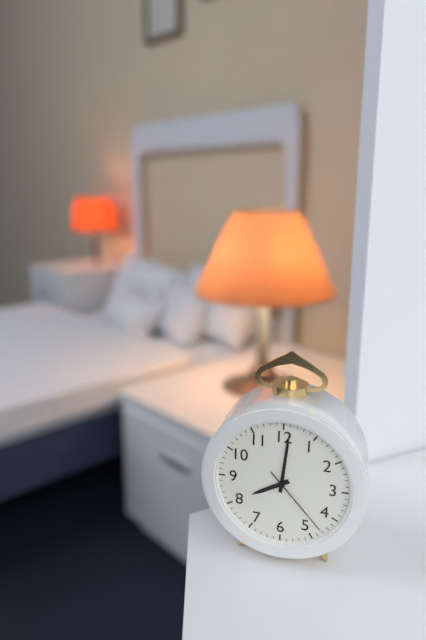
8:01:23
